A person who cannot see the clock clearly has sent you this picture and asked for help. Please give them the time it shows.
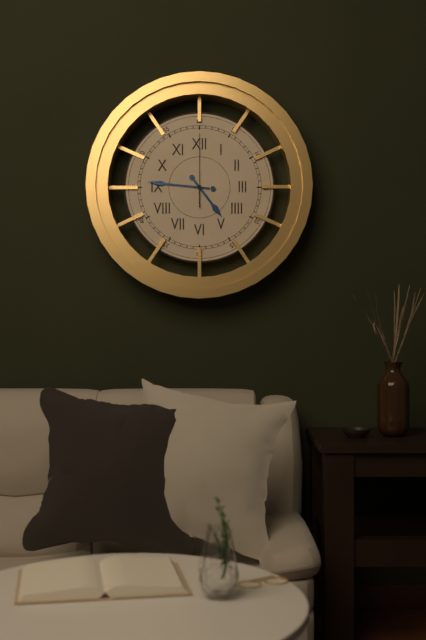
4:46:00
